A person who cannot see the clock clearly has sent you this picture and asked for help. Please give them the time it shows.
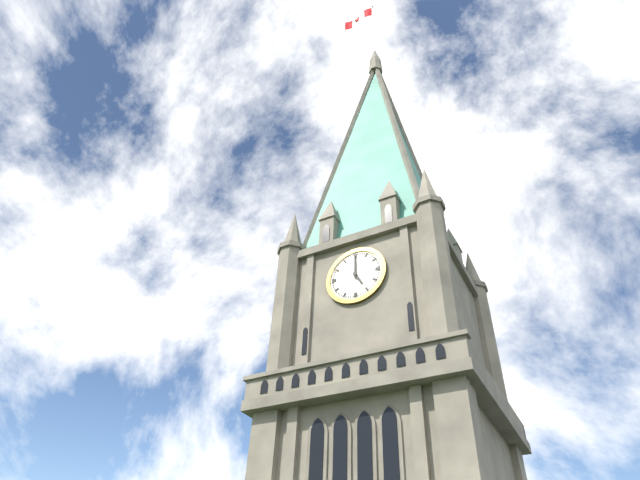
5:00
